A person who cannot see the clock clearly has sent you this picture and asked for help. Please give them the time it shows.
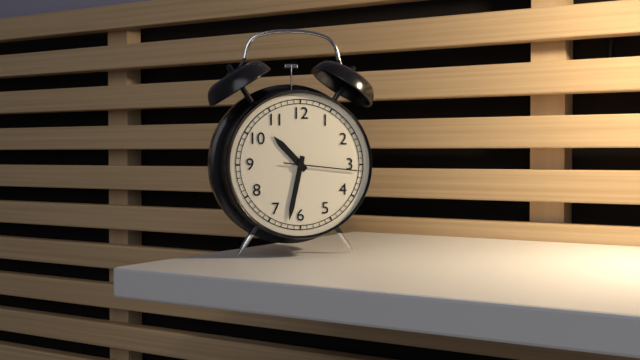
10:32:16
